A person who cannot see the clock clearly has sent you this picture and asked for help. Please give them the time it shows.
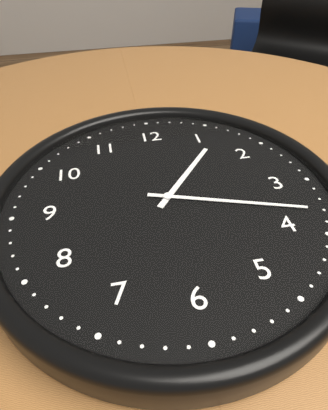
1:18
